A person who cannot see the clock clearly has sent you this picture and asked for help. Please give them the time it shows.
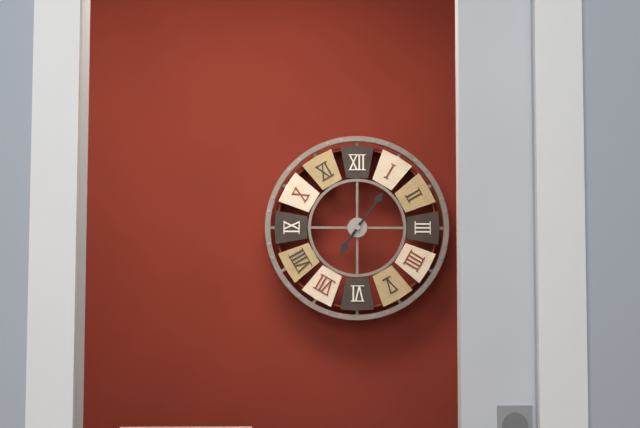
7:06
